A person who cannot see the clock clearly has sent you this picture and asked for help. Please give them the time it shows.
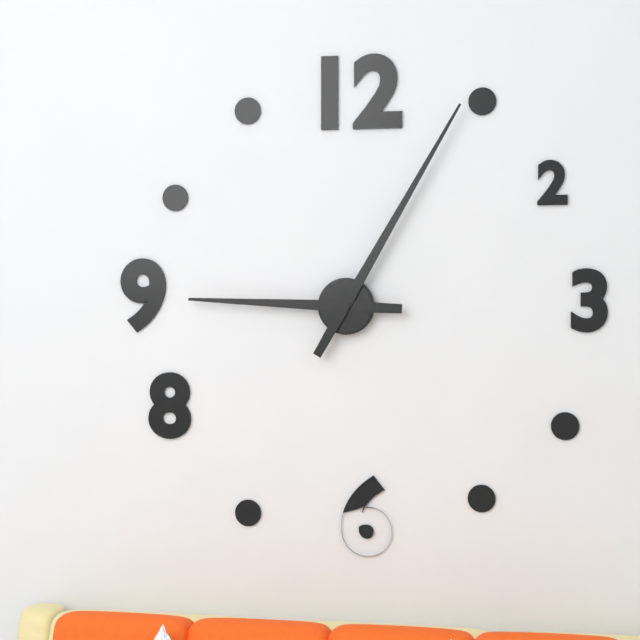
9:05
